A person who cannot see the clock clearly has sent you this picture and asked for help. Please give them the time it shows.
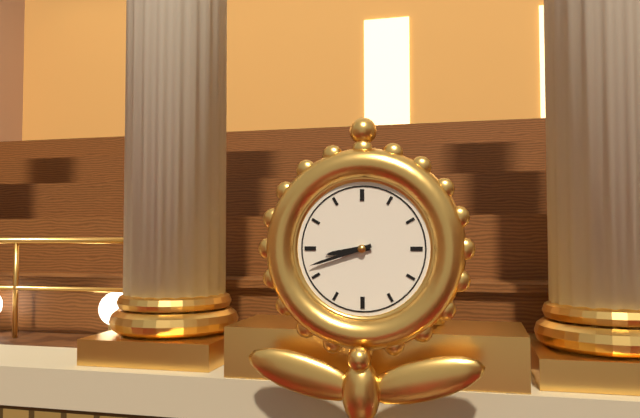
8:42
